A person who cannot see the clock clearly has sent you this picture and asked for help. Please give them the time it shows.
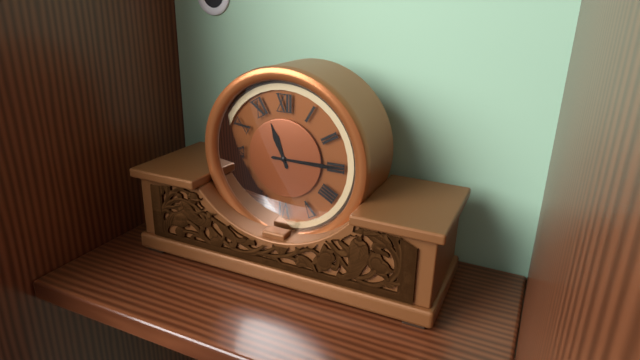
11:15
